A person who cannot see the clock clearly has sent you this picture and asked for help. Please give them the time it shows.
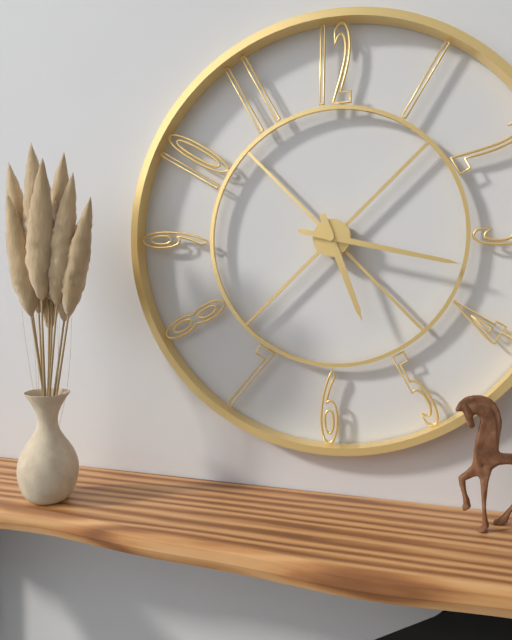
5:17
